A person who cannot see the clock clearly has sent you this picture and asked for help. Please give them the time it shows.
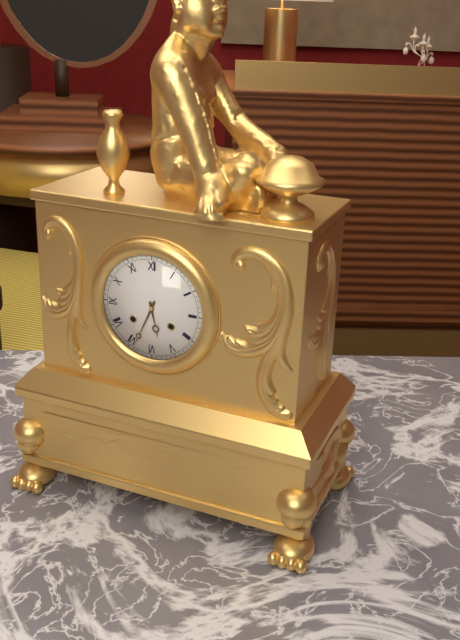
5:34
